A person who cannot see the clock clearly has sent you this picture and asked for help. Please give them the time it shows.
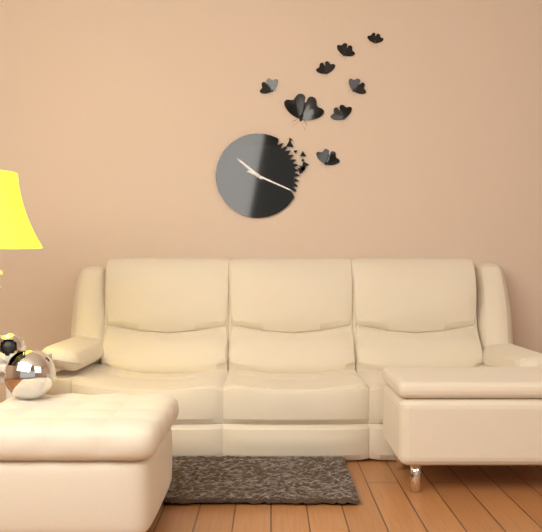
10:19
